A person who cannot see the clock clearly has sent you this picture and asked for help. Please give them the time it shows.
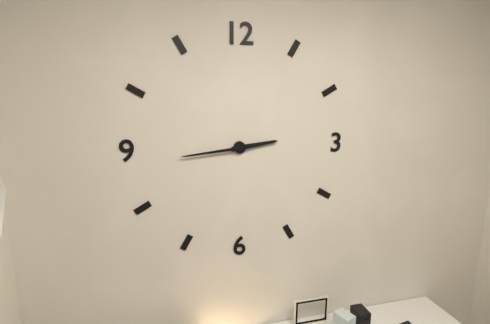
2:44
